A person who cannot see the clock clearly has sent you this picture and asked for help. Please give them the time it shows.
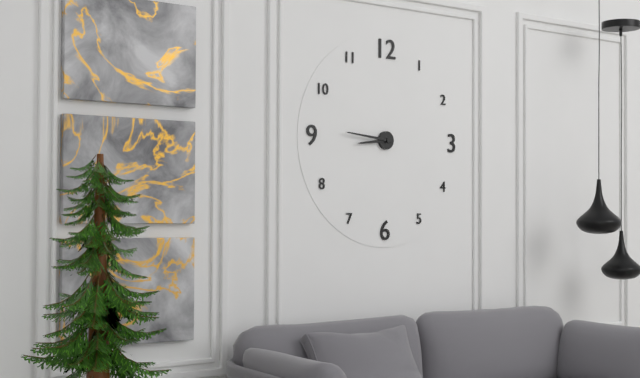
8:46
